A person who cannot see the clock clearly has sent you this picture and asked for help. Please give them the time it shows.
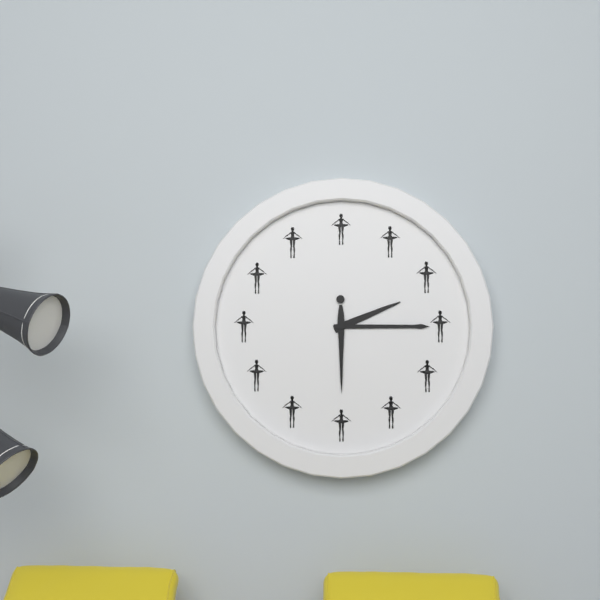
2:15
